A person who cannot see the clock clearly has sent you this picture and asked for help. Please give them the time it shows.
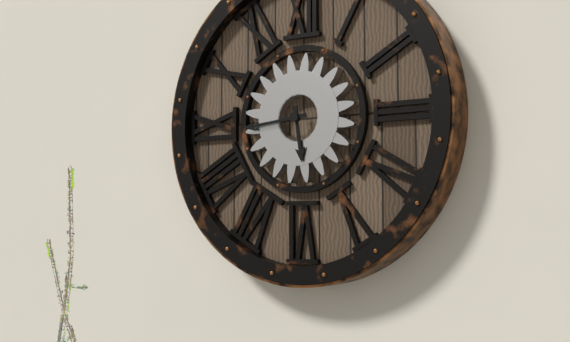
5:44
